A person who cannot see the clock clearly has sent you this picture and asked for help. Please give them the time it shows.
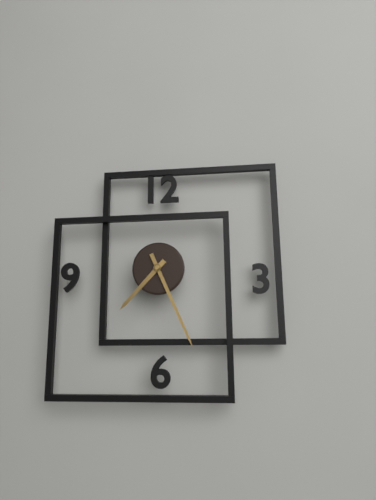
7:26
